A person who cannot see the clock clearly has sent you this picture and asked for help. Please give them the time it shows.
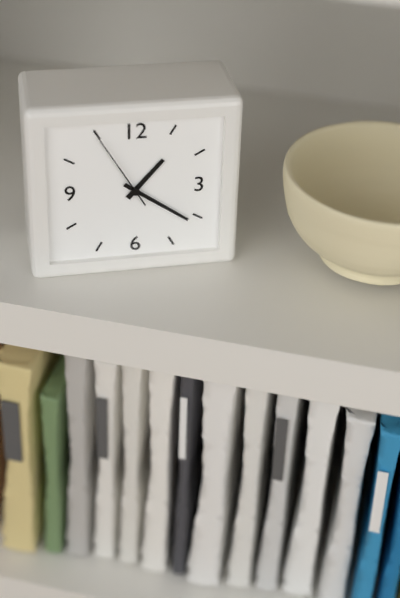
1:21:55
